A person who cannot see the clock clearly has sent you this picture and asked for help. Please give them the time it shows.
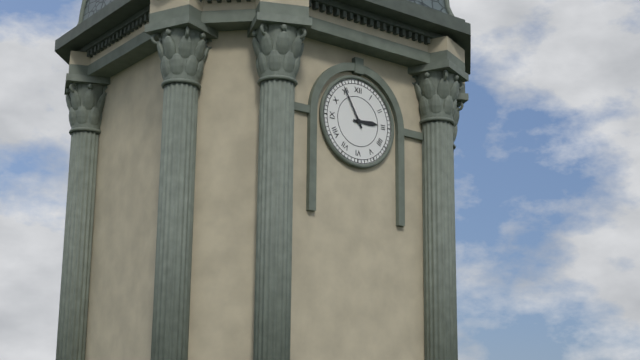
2:55
